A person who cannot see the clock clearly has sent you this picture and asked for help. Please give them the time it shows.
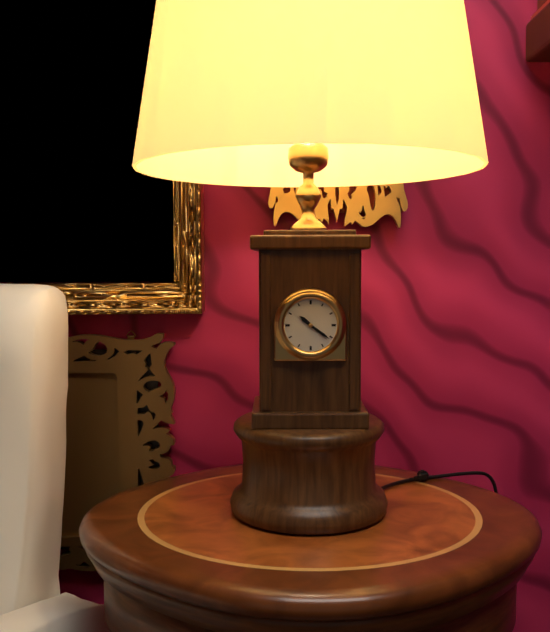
10:21
